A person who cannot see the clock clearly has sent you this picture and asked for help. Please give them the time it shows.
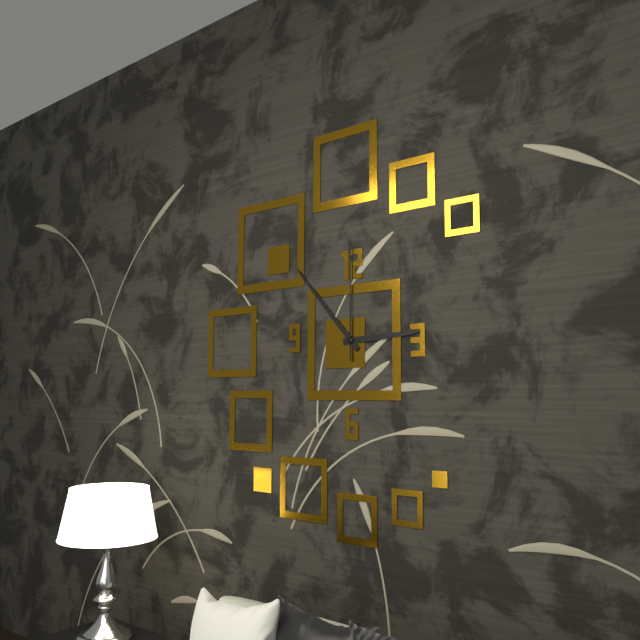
2:53:00
